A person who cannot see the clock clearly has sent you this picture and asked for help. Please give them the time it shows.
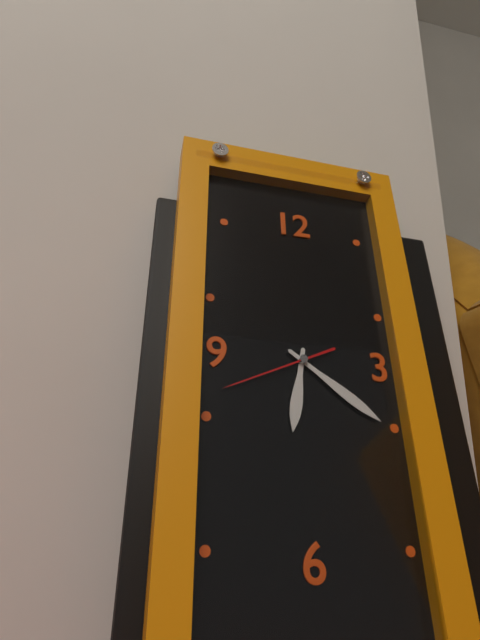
6:21:41
